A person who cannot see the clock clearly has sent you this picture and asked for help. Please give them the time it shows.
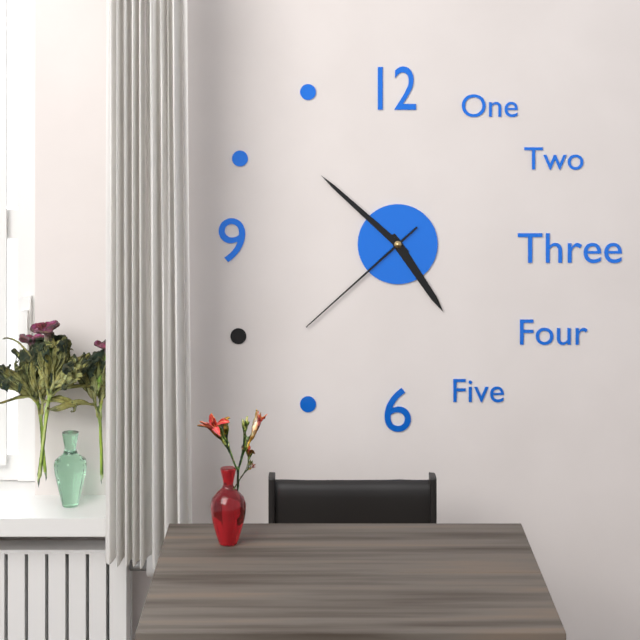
4:52:38
